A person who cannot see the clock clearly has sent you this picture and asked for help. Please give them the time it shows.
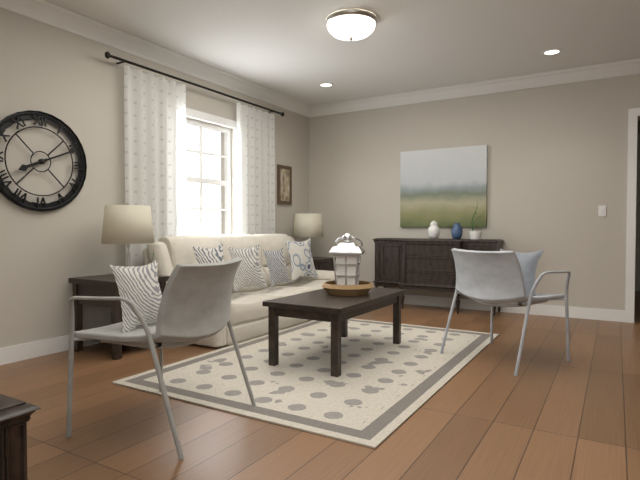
8:11
